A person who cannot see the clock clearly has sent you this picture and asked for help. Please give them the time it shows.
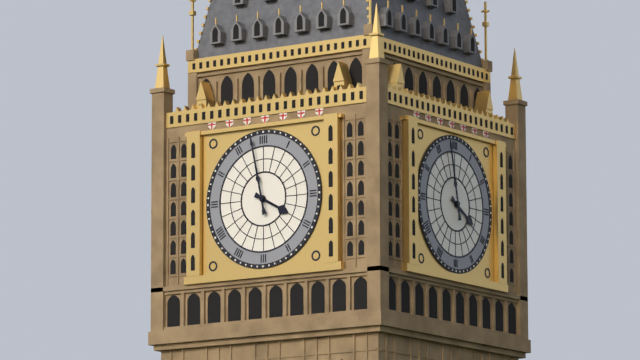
3:58
